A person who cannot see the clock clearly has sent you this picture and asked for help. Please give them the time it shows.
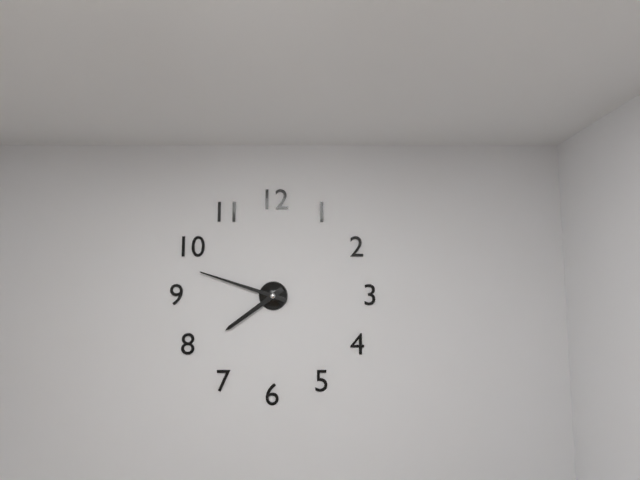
7:48
